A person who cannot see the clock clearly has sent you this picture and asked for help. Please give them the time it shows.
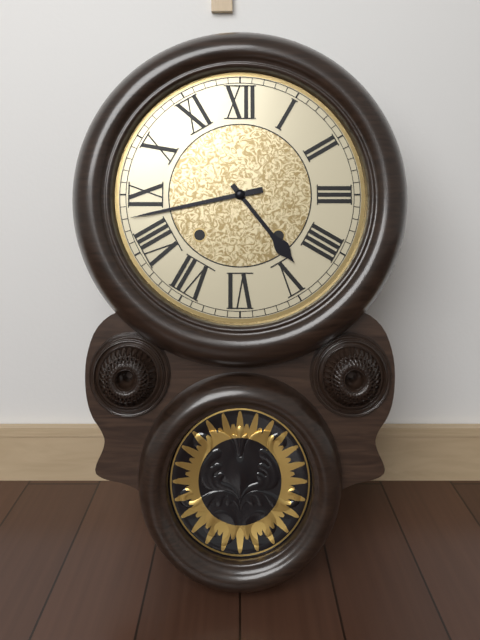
4:43
